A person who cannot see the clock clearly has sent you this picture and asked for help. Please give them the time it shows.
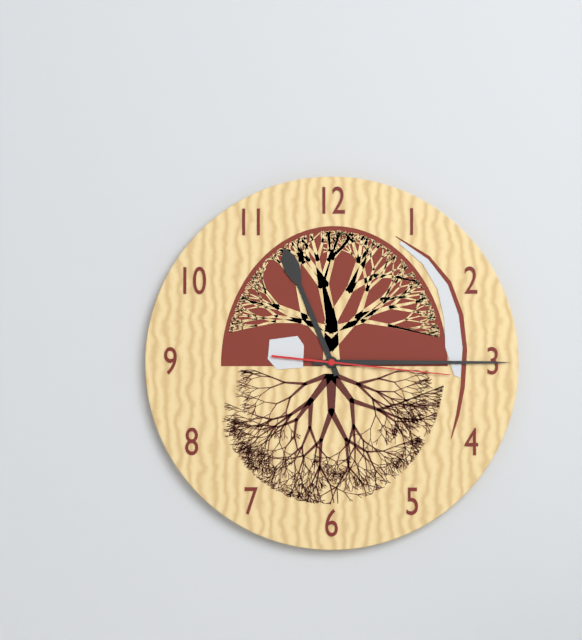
11:15:16
